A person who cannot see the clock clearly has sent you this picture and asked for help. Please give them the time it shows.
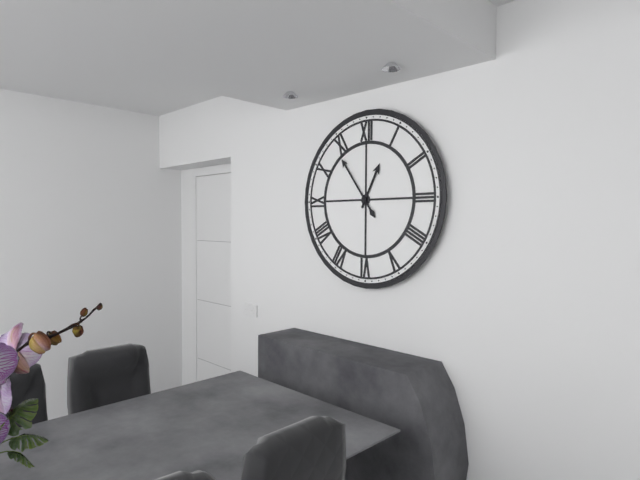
12:54
